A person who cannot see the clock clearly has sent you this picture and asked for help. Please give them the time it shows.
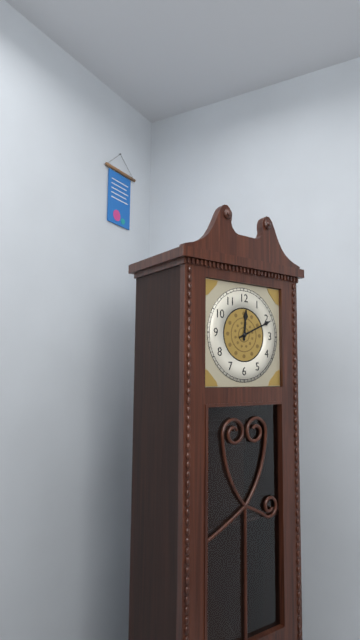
12:11
